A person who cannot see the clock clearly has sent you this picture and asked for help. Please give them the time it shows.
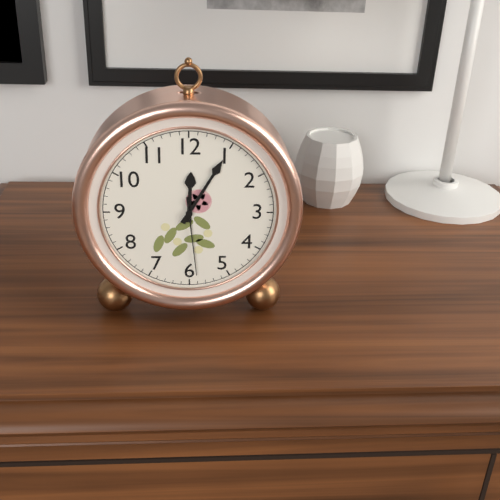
12:05:29
